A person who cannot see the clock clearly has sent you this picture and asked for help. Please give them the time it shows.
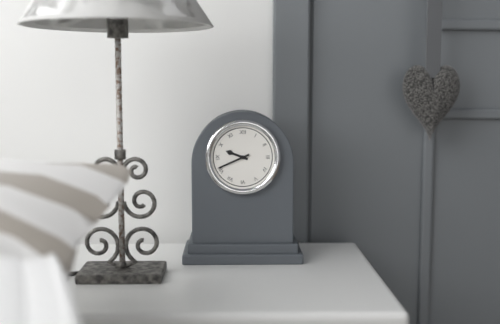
9:41
